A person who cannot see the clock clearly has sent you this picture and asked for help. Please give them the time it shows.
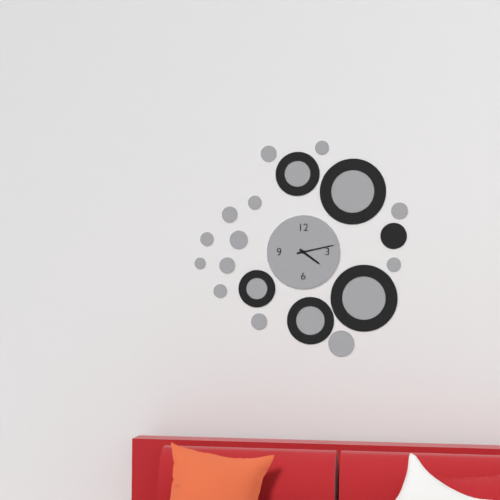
4:13
